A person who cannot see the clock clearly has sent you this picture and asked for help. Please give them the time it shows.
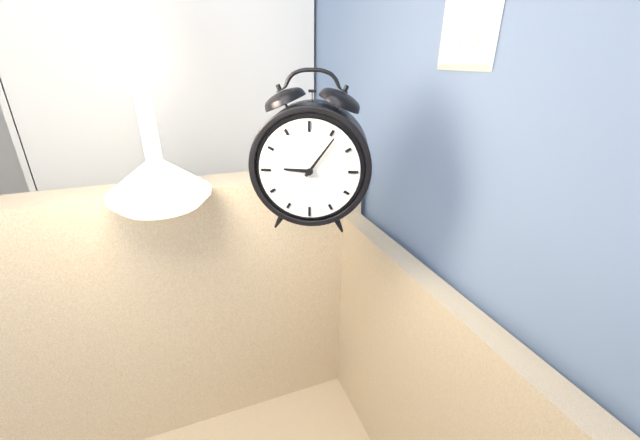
9:06
